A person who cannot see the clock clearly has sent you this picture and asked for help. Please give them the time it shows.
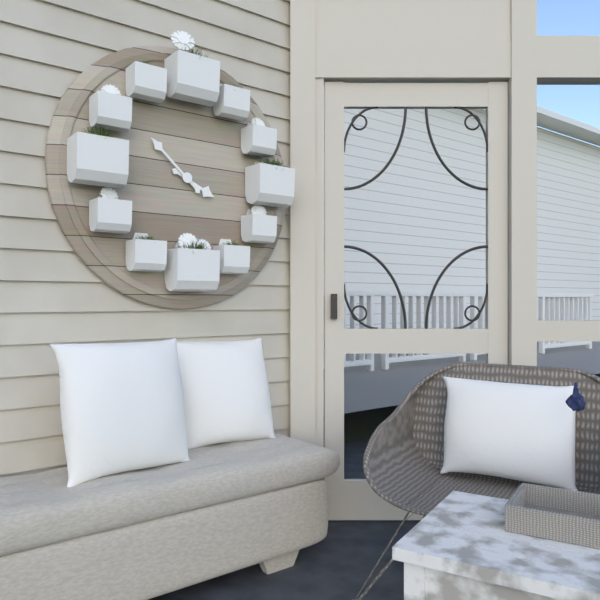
3:52
